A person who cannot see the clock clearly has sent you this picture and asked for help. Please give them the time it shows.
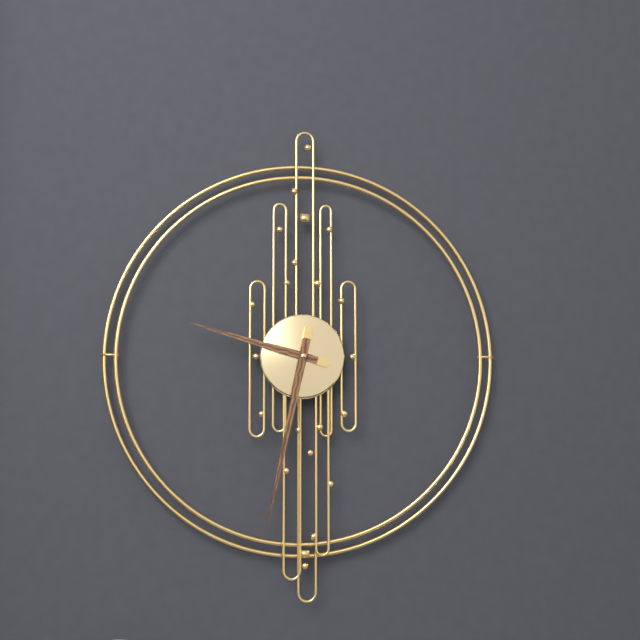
9:32
